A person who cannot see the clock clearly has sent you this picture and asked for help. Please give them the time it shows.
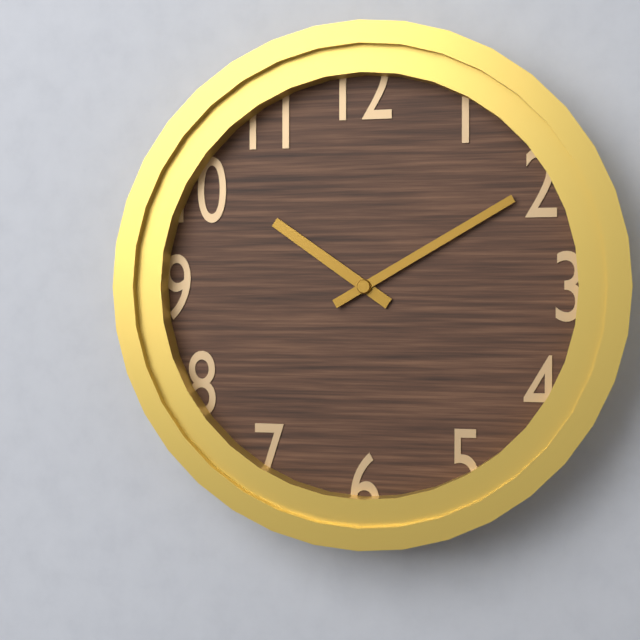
10:10
